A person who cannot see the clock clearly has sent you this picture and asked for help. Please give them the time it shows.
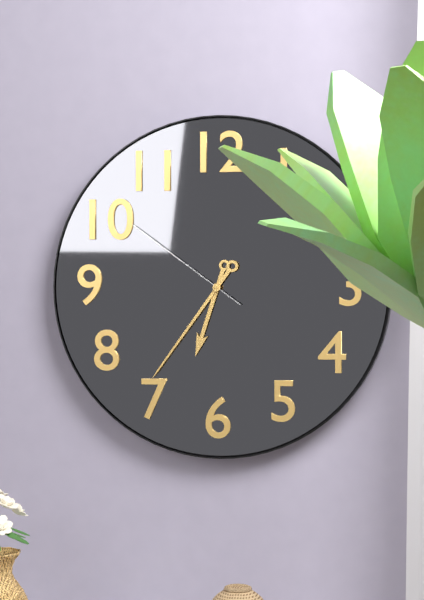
6:36:51
